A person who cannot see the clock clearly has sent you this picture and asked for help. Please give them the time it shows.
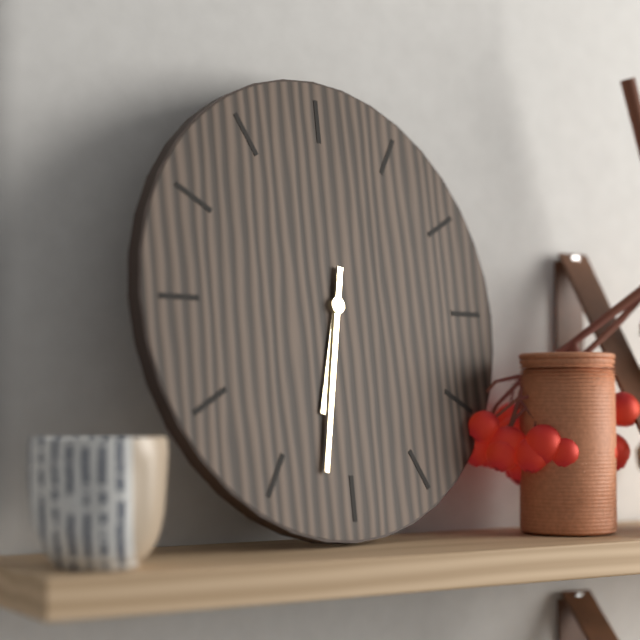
6:32
